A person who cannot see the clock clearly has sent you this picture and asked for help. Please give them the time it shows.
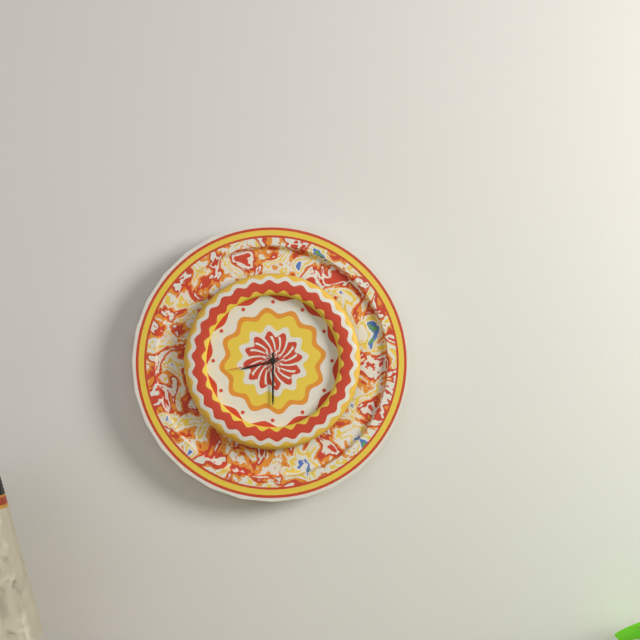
8:30:43
